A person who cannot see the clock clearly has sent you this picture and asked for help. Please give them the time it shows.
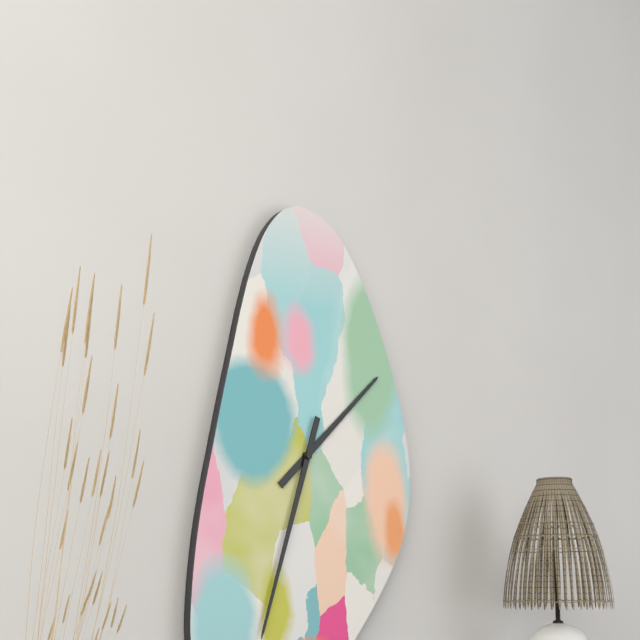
1:33
